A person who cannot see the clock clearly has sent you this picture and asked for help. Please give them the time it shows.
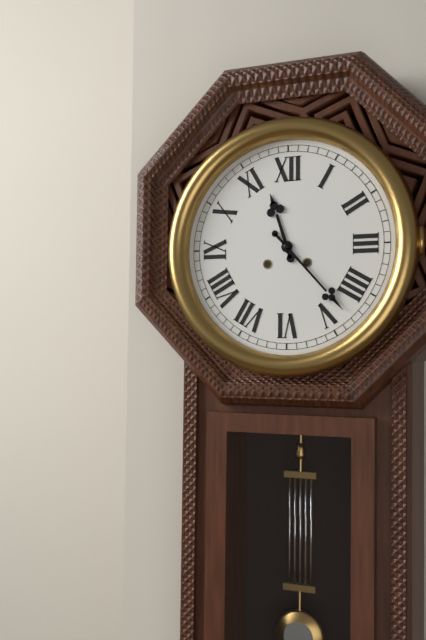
11:23
